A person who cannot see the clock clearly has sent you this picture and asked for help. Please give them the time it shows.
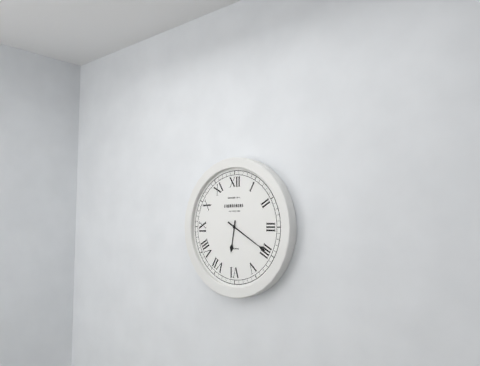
6:20
